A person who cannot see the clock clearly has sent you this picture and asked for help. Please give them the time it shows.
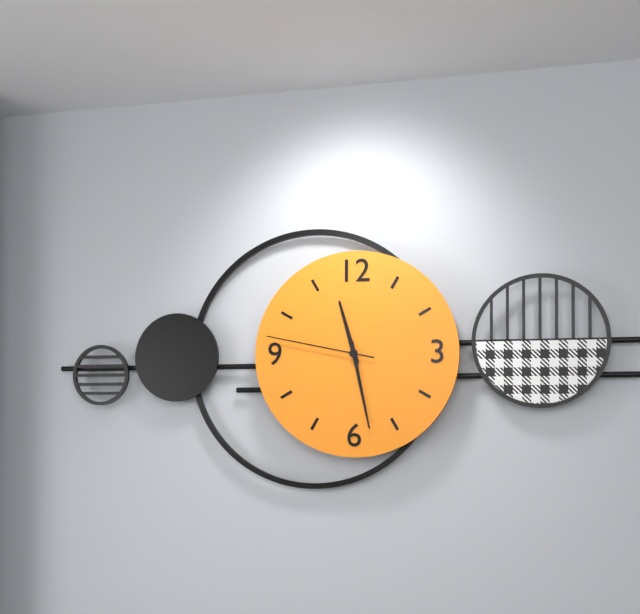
11:28:47
